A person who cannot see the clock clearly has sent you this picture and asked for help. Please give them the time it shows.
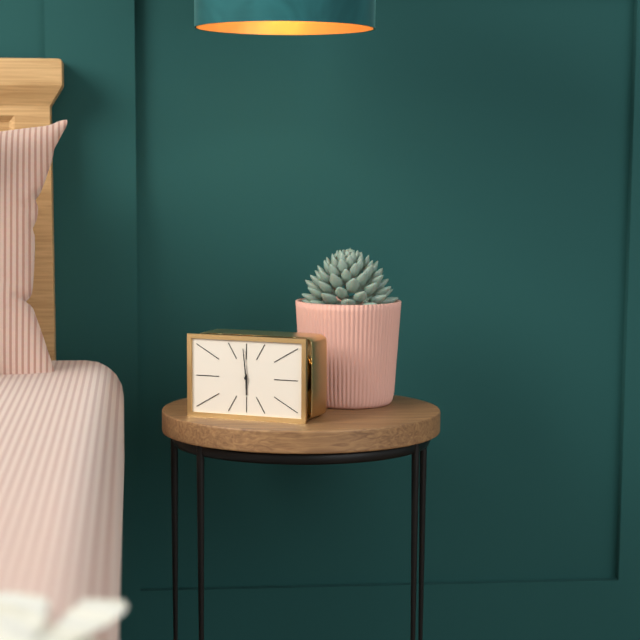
5:59
